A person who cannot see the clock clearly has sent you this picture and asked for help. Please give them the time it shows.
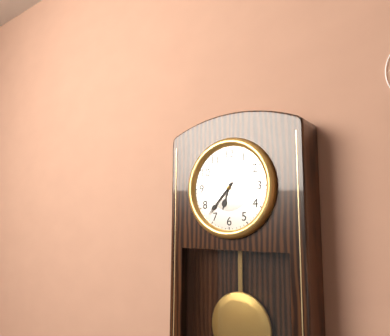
6:37
